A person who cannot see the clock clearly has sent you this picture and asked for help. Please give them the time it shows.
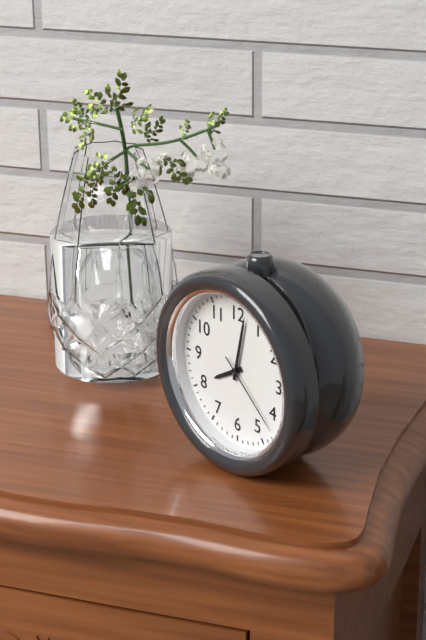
8:02:22
